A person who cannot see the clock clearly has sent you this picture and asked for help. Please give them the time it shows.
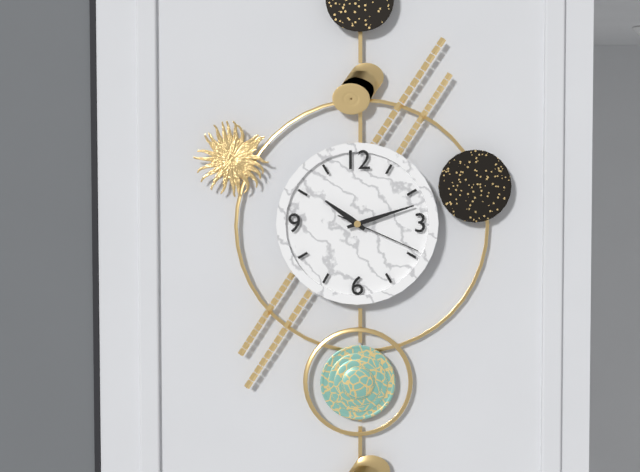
10:12:19
